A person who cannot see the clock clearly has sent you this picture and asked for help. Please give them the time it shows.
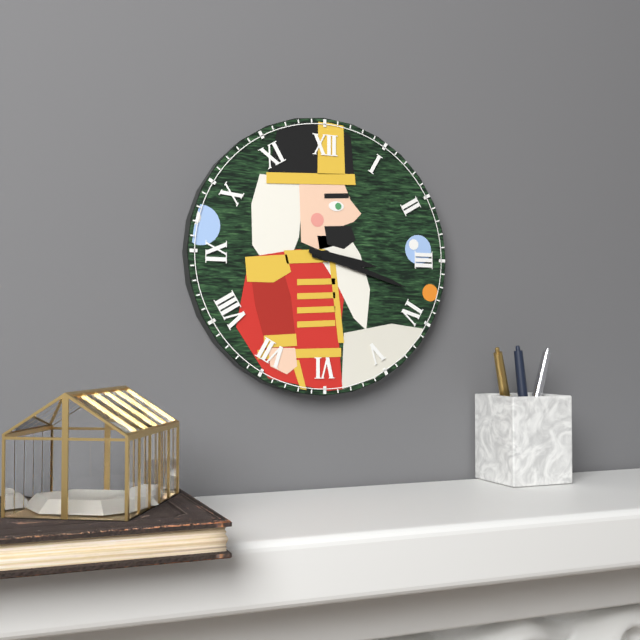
3:18
